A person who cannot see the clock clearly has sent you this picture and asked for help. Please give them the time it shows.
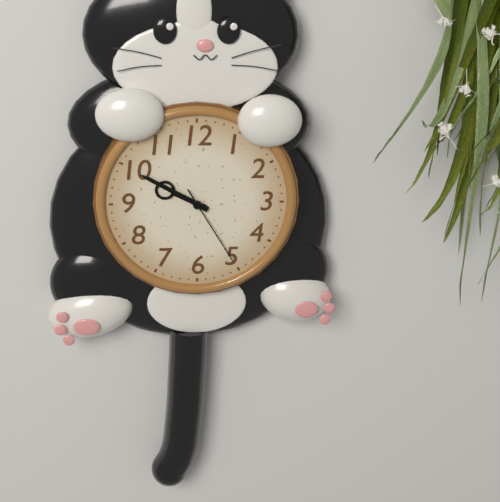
9:50:25
